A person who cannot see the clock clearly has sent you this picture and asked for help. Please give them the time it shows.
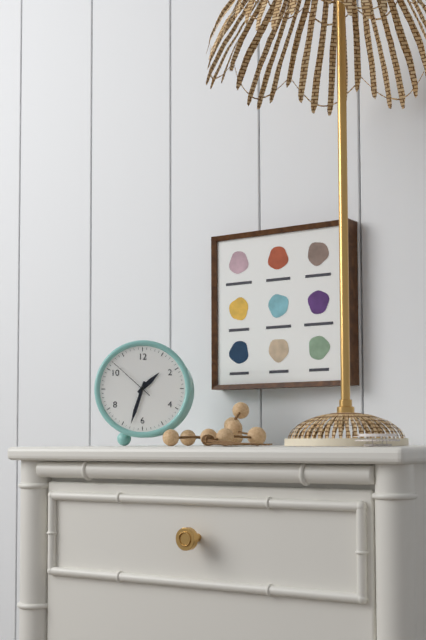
1:33
